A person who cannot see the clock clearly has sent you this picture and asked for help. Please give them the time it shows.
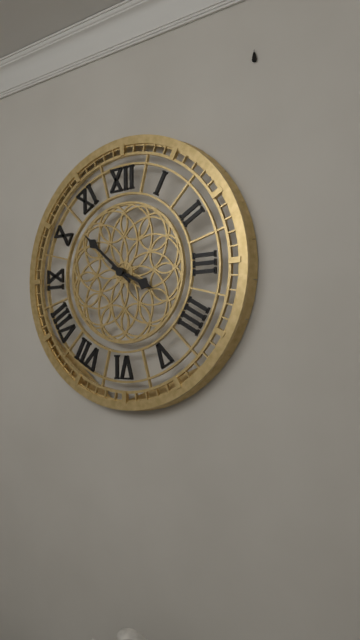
3:52
